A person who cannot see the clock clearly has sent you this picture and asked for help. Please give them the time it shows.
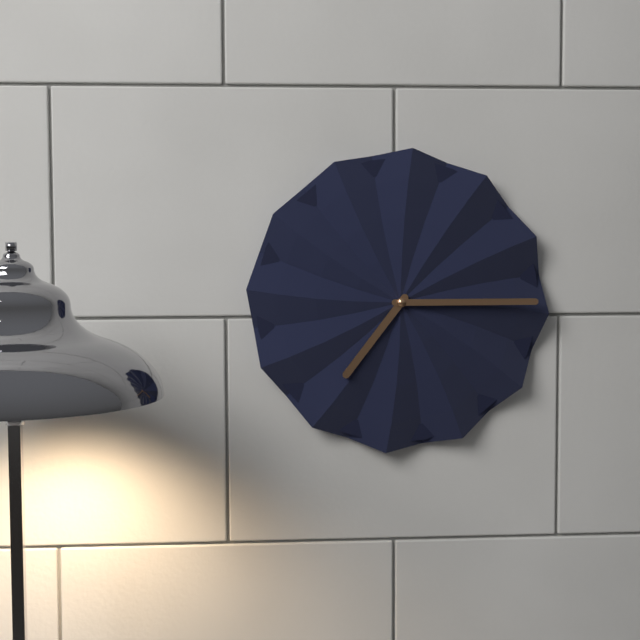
7:15
